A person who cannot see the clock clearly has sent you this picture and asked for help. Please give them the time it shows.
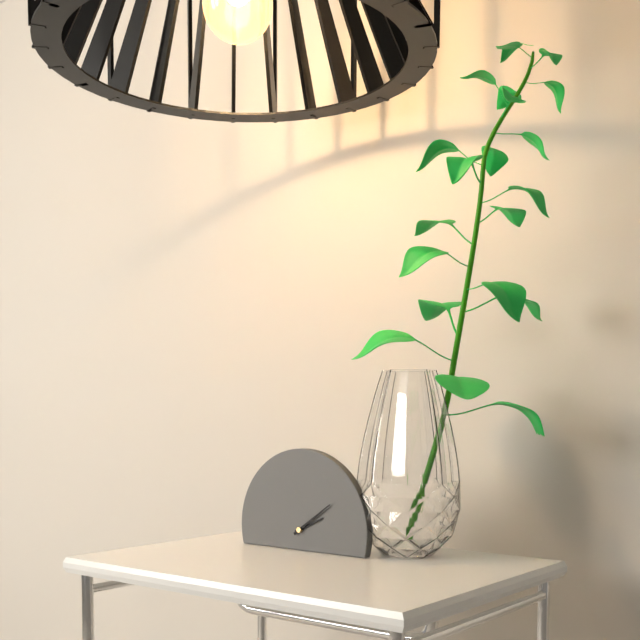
2:09
